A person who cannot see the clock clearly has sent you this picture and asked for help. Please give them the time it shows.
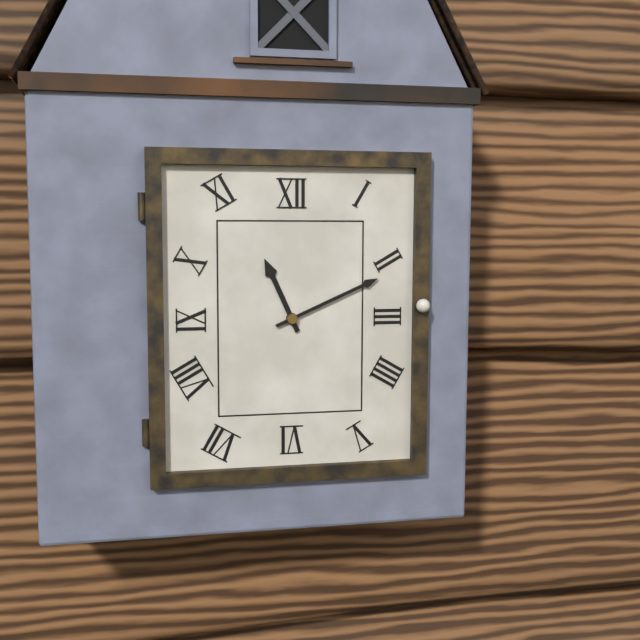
11:11
